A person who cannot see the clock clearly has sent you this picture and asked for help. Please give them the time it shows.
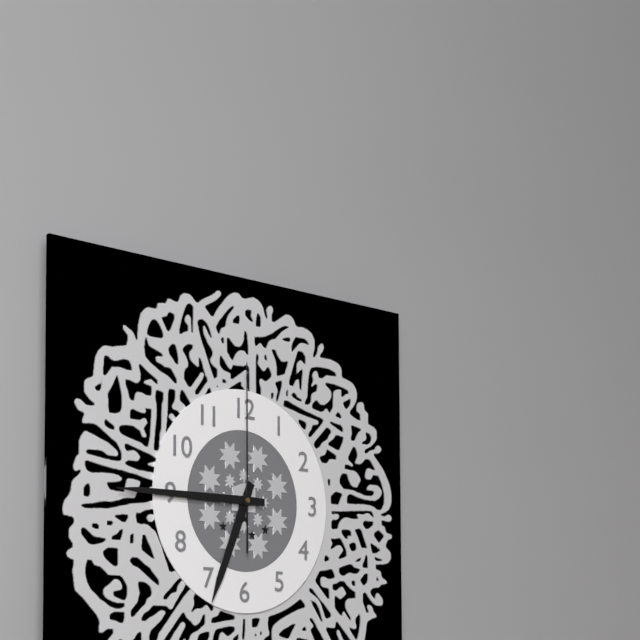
6:45:00
